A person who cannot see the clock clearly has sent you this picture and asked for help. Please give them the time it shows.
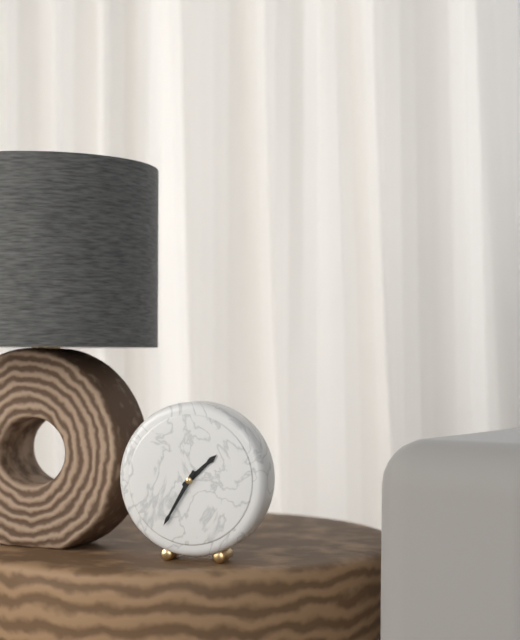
1:35
